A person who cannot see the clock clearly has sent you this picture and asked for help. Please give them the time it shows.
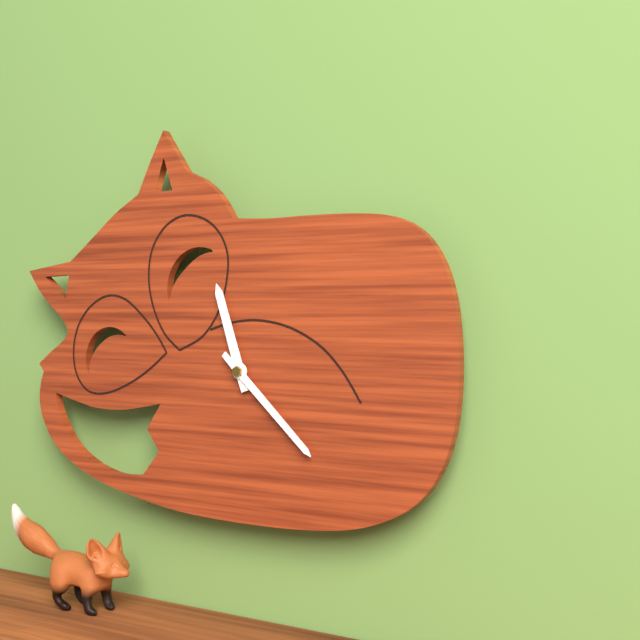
11:22
